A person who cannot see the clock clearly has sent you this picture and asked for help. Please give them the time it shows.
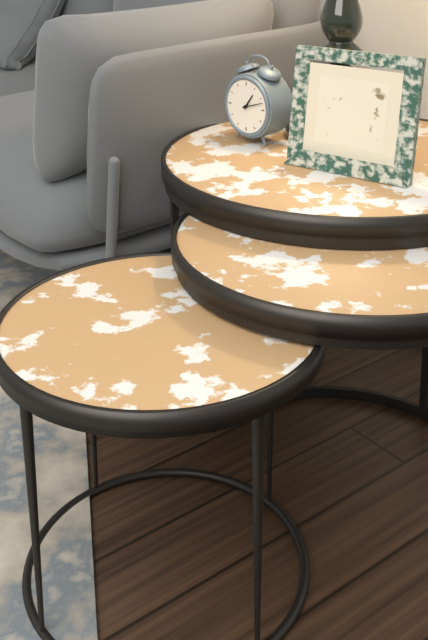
1:12
